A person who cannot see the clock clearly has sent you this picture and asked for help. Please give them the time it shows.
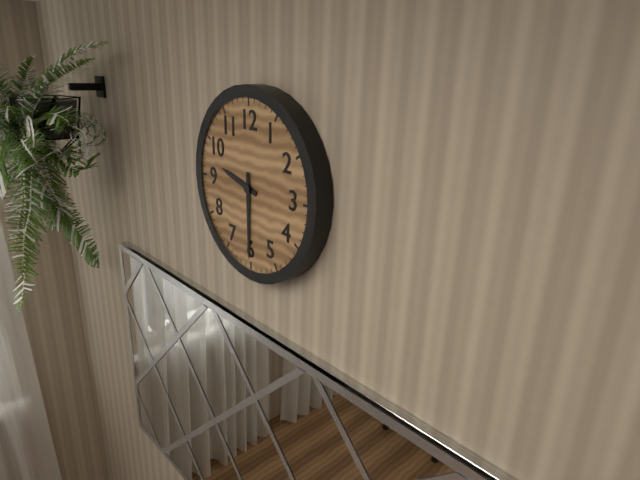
9:30
